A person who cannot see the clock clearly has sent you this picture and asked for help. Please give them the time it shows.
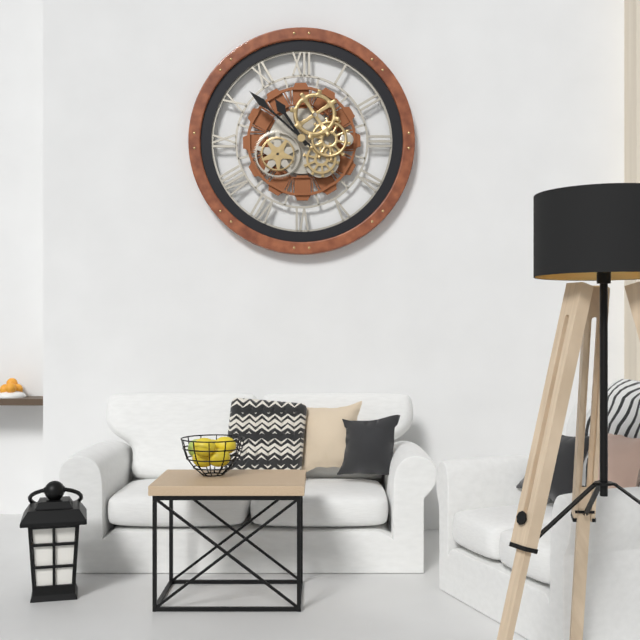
10:52
